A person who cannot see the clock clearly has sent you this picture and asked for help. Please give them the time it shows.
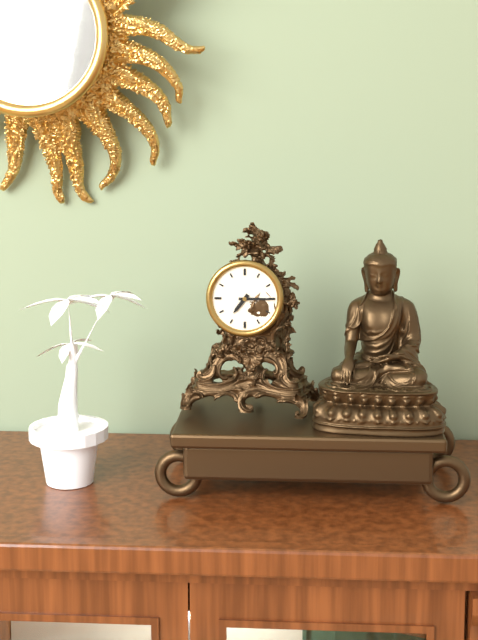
7:15
